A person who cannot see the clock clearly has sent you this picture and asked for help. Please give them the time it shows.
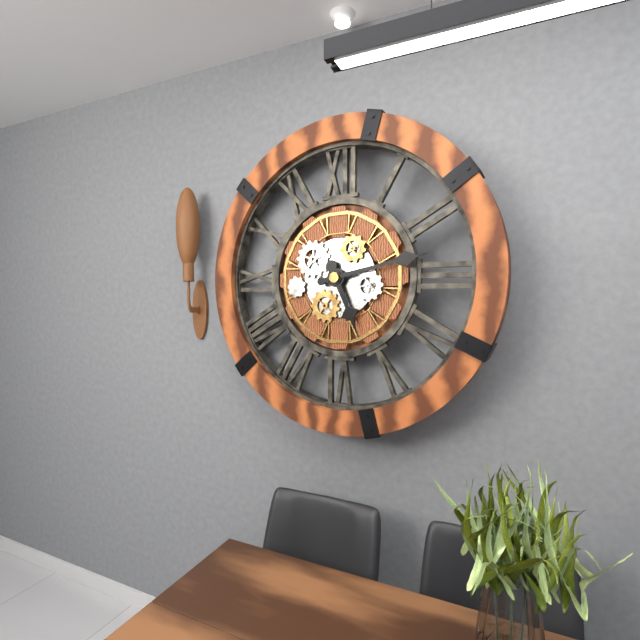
5:13
